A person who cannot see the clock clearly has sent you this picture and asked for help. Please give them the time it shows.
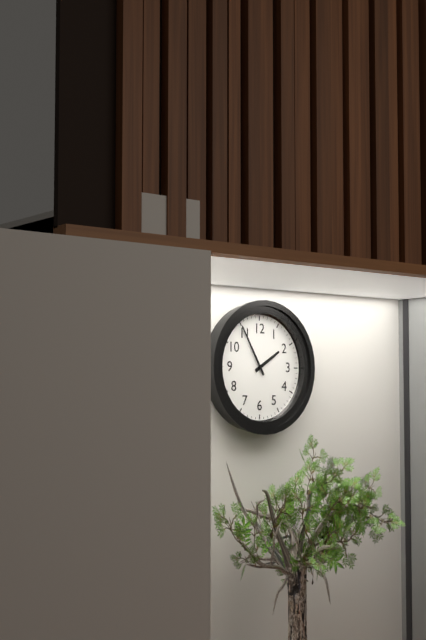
1:55
